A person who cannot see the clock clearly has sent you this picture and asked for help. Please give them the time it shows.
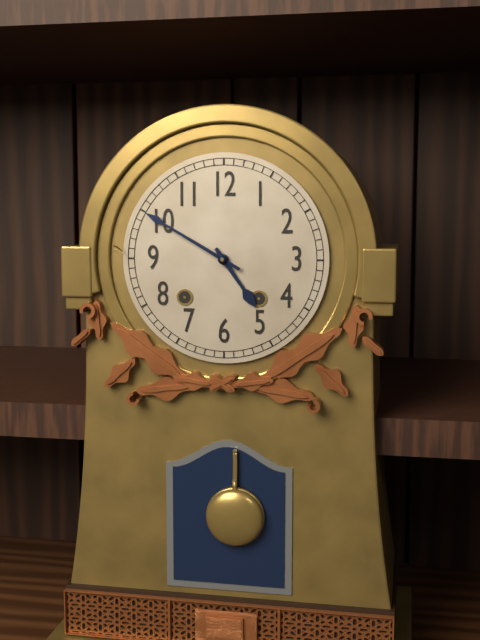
4:50
